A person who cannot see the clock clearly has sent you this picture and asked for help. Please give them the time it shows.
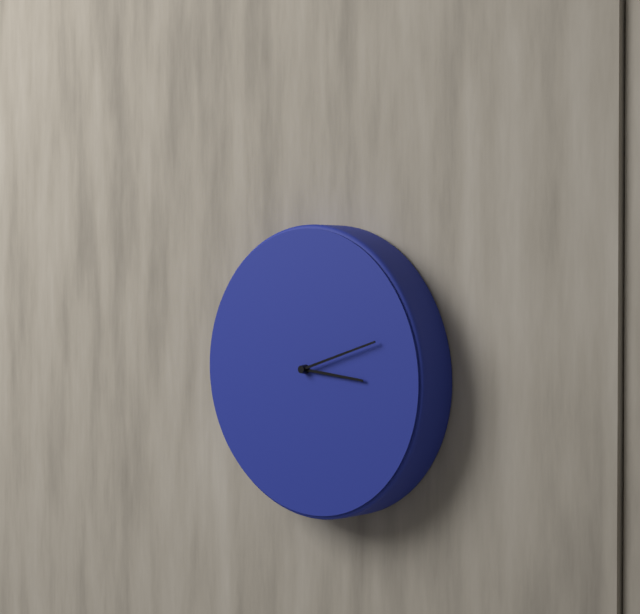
3:12
